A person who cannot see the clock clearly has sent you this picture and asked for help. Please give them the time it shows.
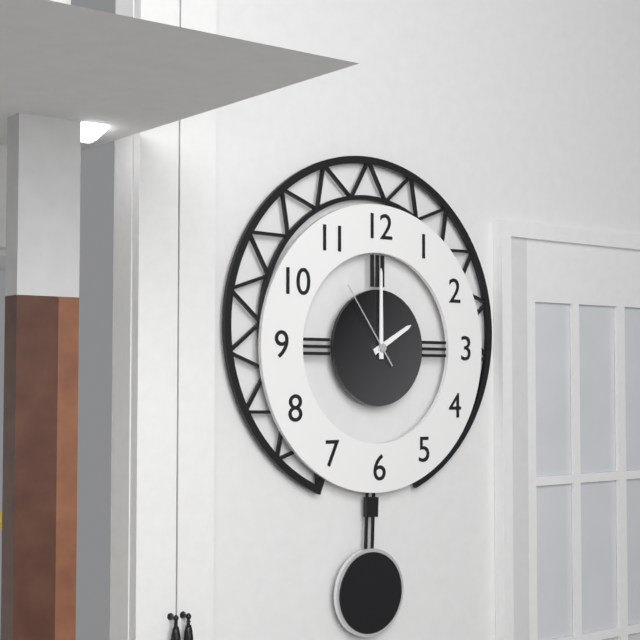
2:00:54
